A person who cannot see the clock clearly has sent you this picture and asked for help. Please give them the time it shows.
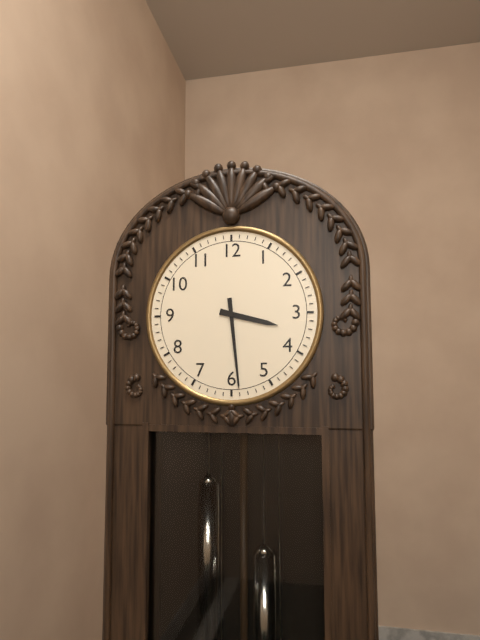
3:29
